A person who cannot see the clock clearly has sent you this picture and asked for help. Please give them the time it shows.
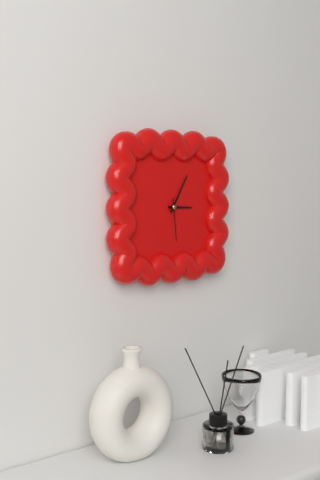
3:05
